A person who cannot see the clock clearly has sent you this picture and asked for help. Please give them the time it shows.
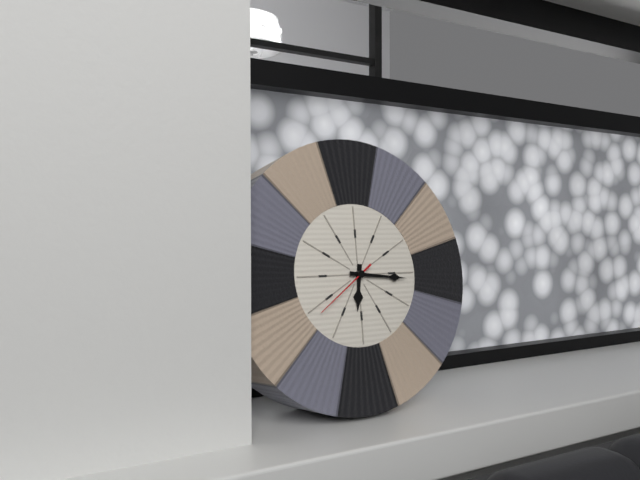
6:16
